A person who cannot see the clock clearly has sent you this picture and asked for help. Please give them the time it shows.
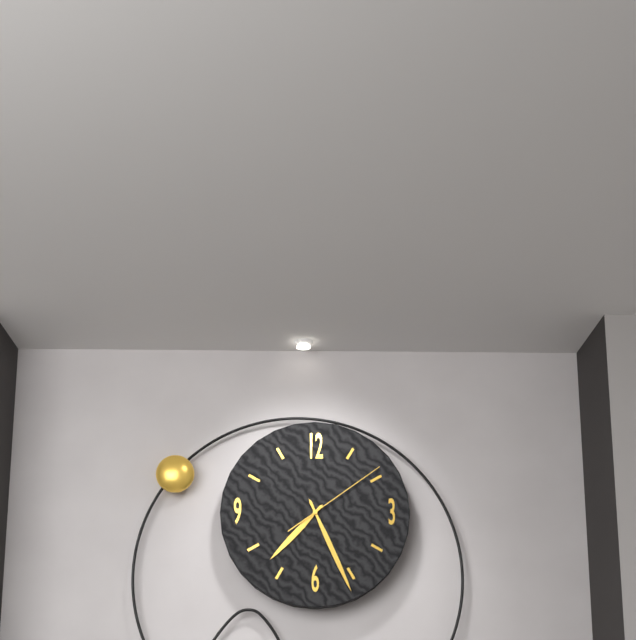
7:26:09
